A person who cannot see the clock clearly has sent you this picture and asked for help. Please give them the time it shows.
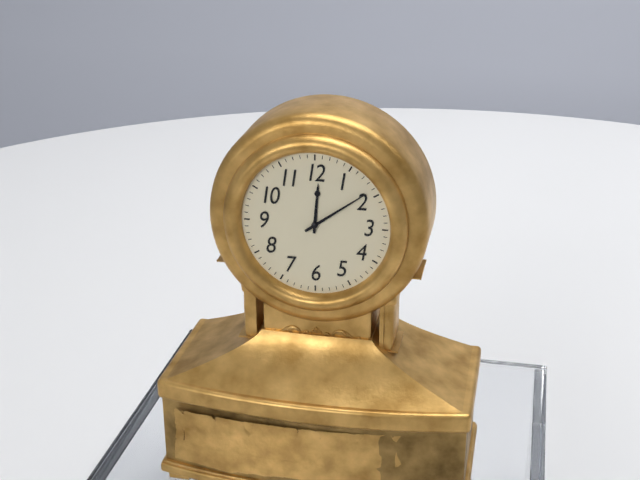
12:09
